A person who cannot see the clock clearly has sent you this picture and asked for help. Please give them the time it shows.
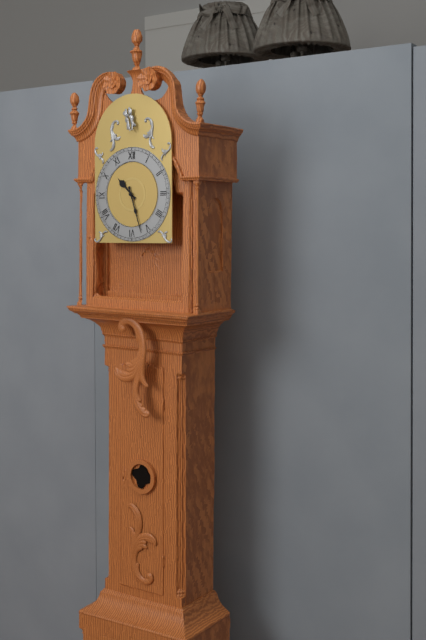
10:27
